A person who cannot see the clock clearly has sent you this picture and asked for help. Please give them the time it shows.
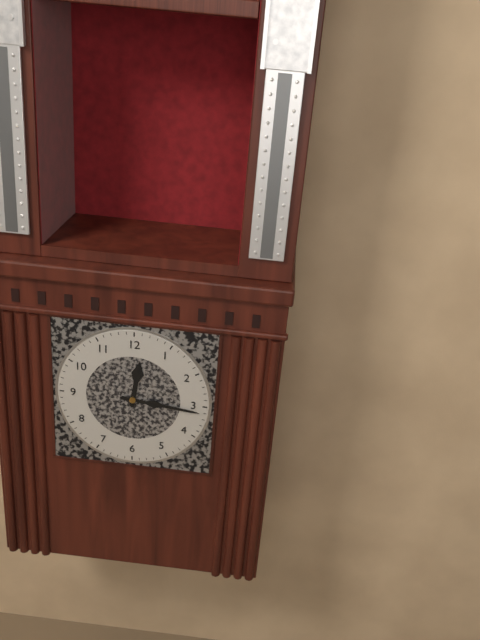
12:16
